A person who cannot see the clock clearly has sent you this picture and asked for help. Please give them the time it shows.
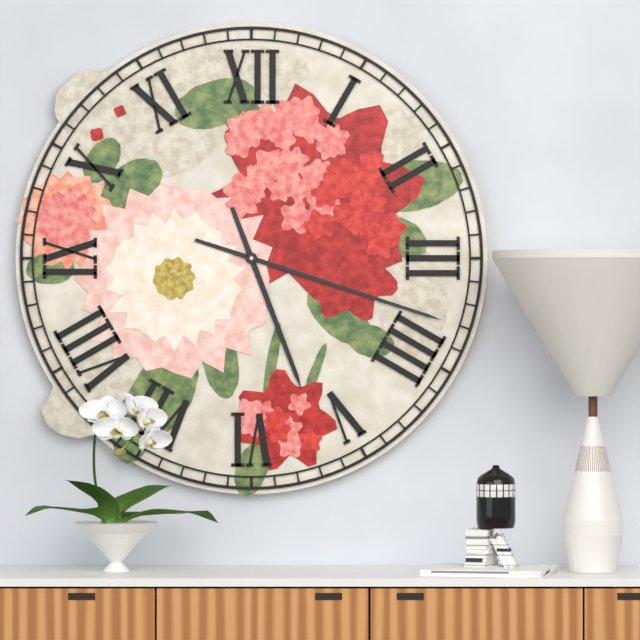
5:18
